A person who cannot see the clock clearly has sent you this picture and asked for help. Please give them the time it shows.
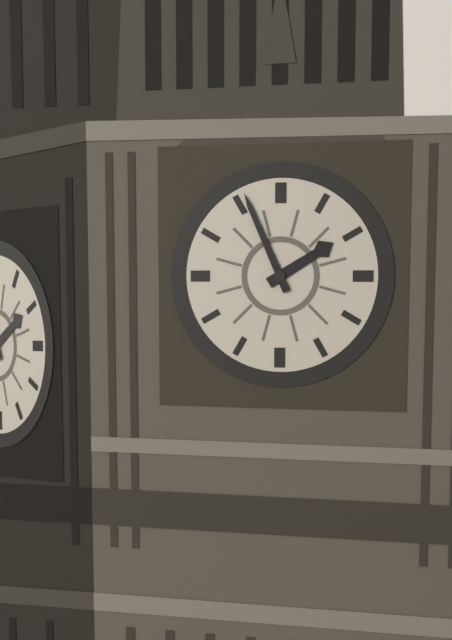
1:56
